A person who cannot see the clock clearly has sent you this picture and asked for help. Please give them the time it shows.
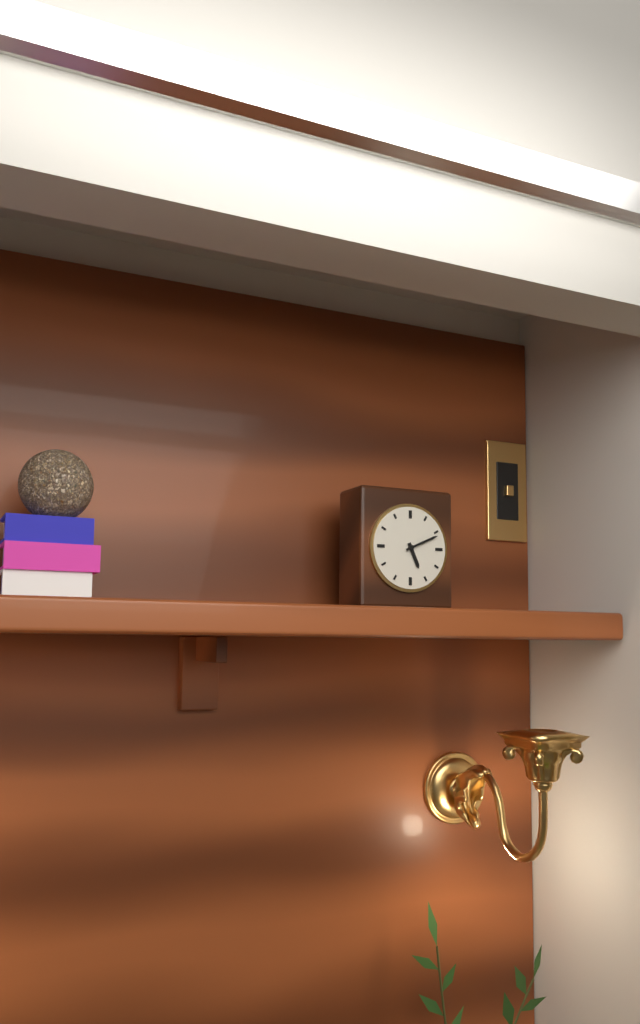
5:11
